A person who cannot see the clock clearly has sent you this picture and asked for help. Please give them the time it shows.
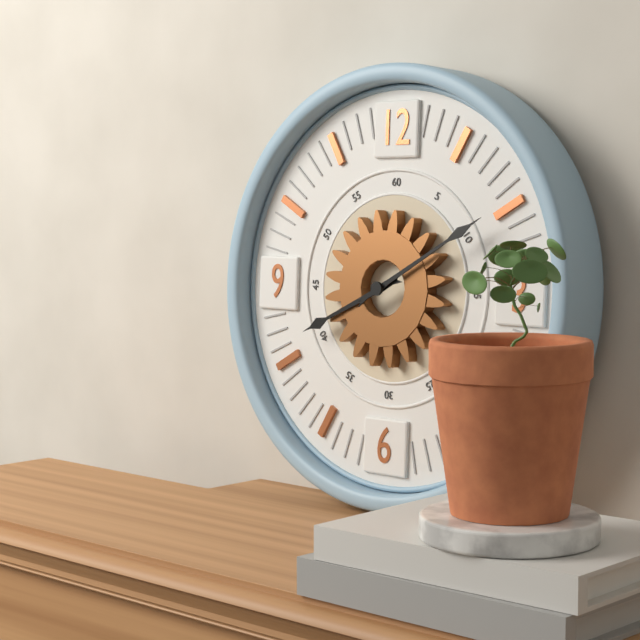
8:10
